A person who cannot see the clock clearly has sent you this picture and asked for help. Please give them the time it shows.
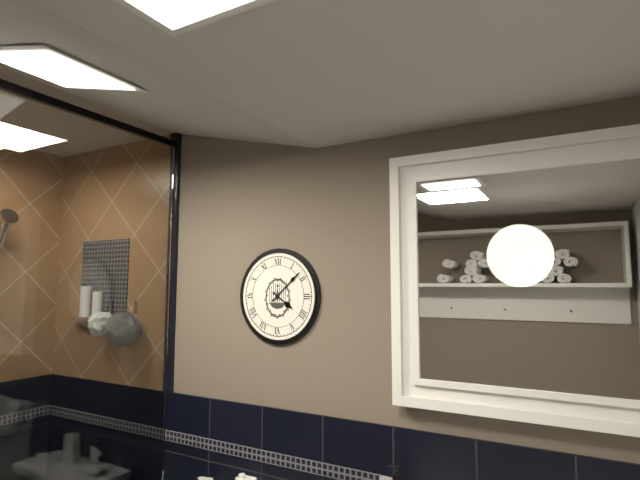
4:08
